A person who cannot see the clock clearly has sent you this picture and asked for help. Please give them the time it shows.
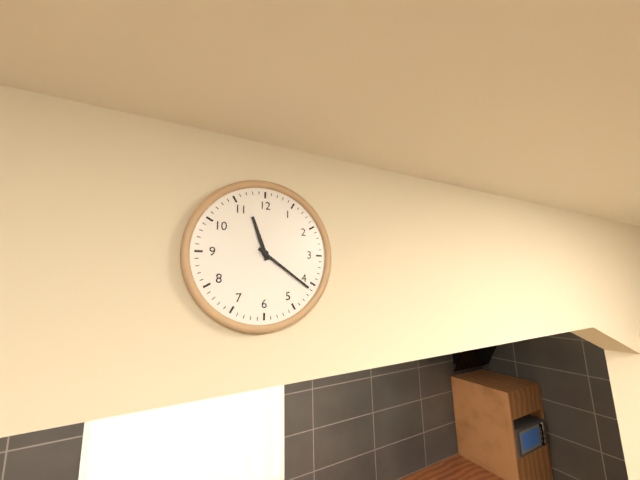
11:21
